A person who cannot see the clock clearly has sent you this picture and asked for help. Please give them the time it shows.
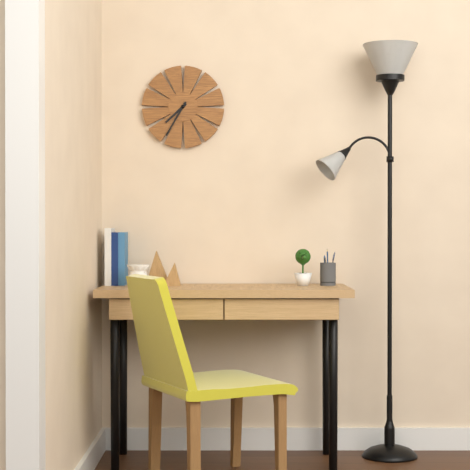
7:35
